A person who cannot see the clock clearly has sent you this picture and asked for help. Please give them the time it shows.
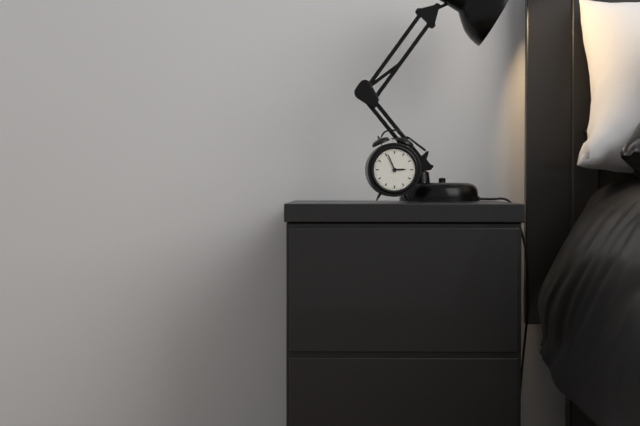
2:56
